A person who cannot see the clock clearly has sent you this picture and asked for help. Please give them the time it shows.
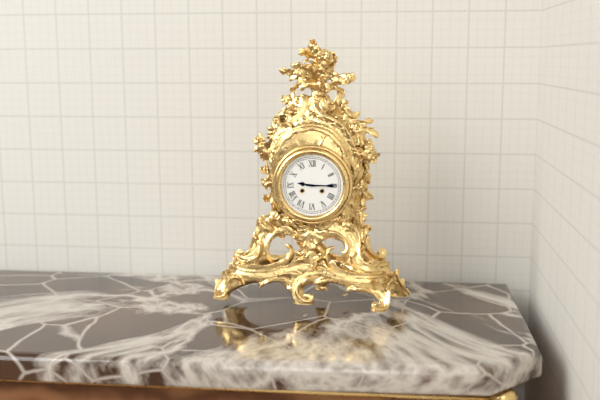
9:15
